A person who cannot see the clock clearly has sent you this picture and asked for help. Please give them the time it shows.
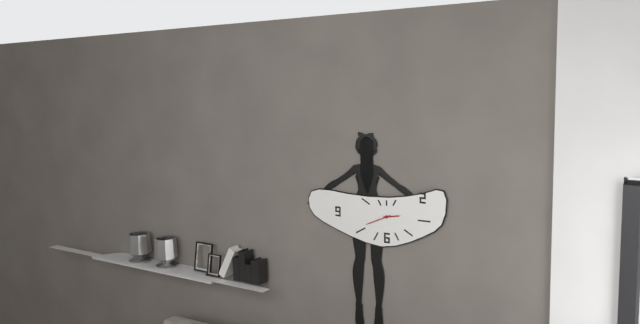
2:41
